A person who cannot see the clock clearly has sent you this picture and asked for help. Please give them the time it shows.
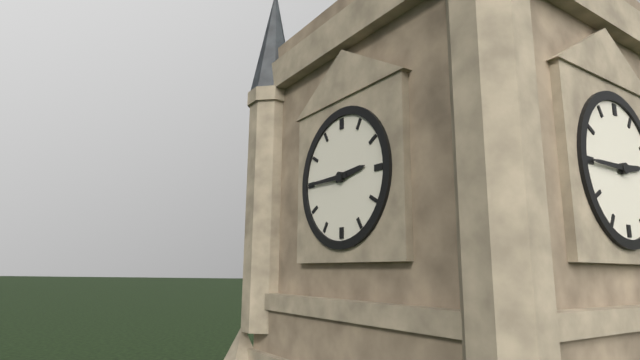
2:45
